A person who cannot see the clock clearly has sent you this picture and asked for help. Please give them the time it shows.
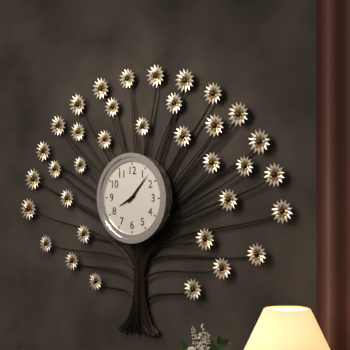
8:07
